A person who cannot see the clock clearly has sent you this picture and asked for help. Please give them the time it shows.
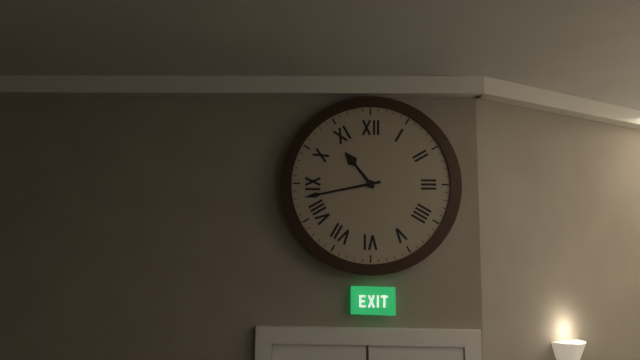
10:43
